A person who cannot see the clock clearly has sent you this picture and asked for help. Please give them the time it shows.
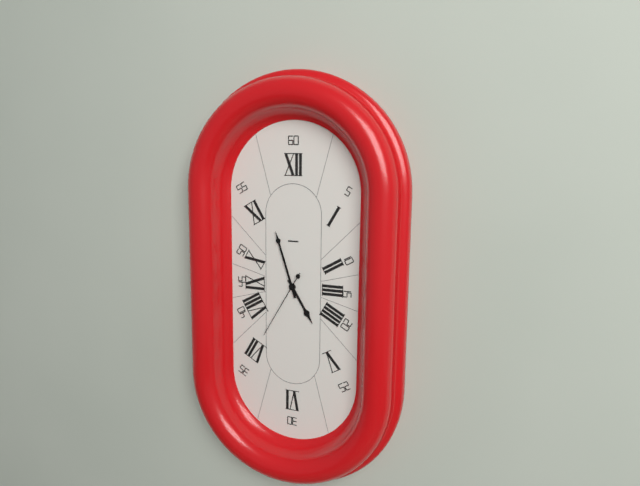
4:57:35
